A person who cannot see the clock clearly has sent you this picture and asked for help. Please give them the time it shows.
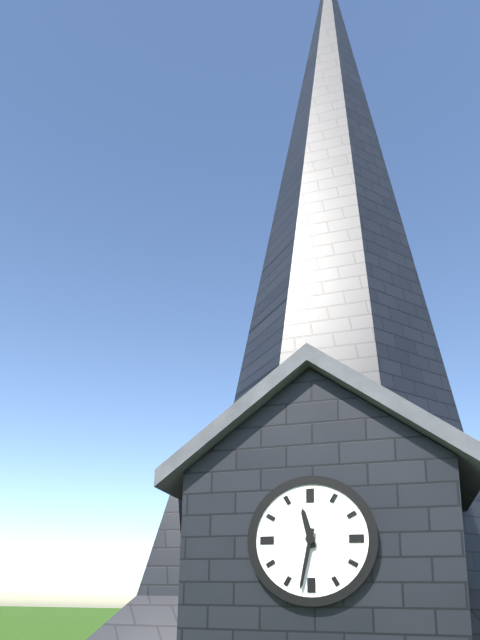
11:32
